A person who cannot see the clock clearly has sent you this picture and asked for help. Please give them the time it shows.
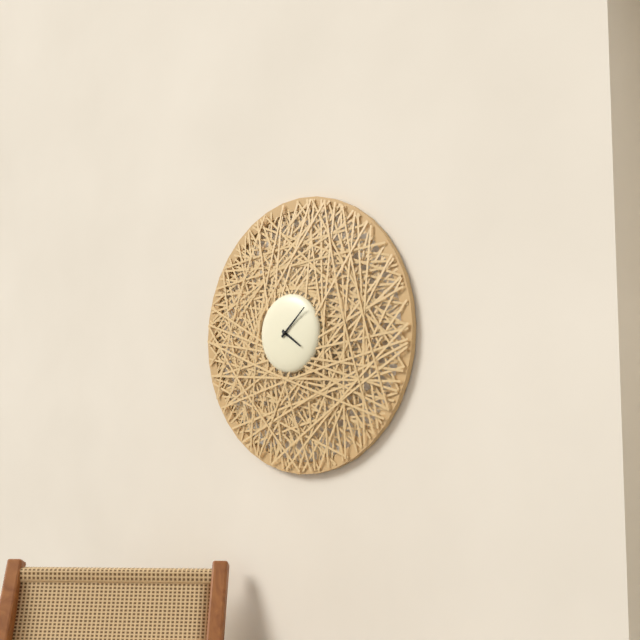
4:08
